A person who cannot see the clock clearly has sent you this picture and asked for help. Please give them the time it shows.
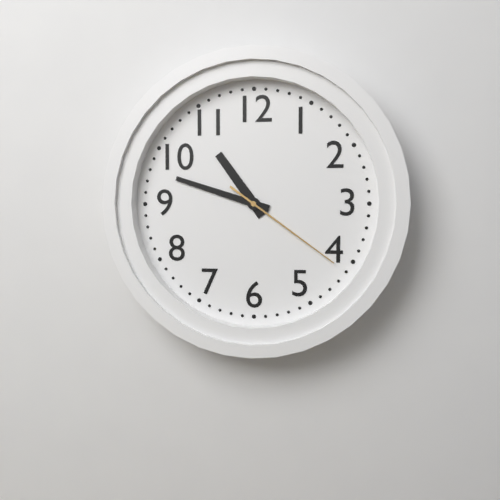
10:48:21
